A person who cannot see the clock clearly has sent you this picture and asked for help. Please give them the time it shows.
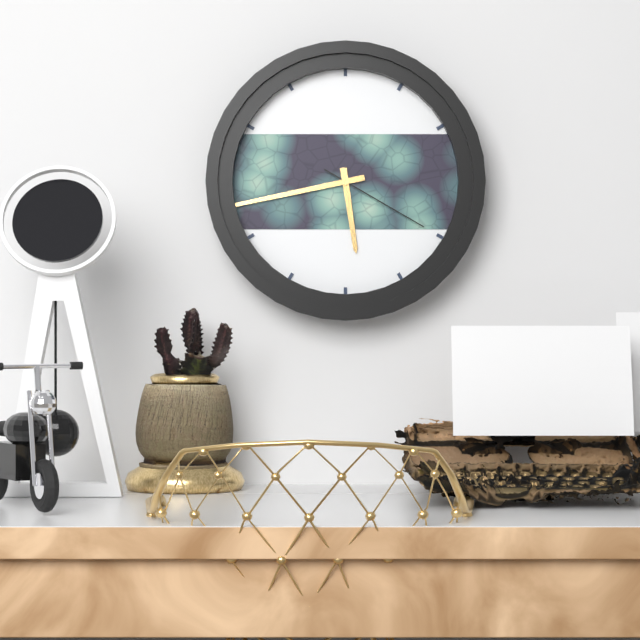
5:43:20
